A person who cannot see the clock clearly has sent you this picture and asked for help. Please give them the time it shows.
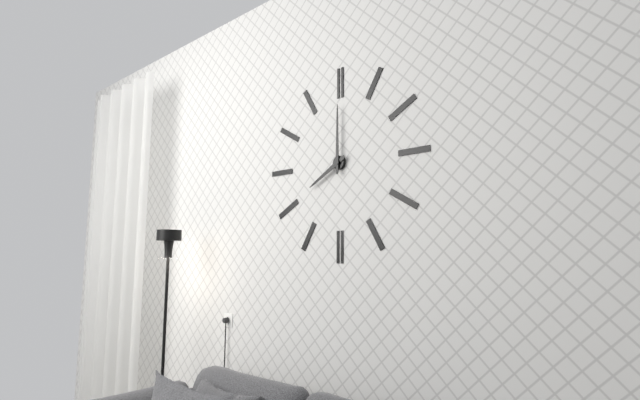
8:00
